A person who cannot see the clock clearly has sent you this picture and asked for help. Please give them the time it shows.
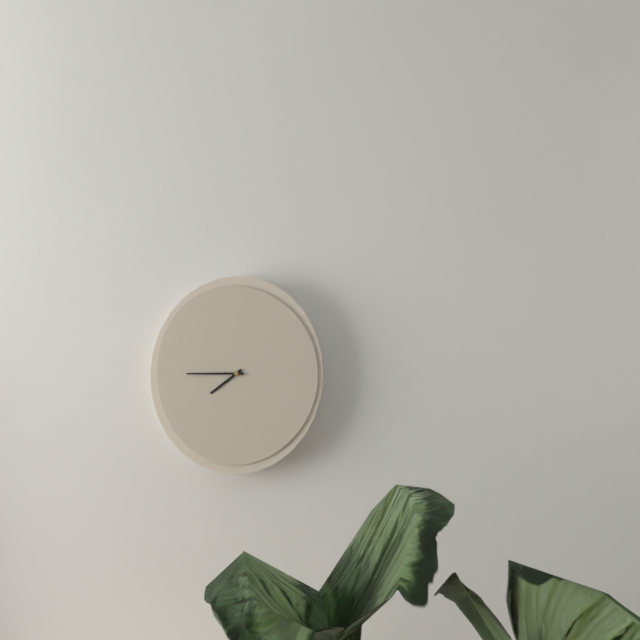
7:45
